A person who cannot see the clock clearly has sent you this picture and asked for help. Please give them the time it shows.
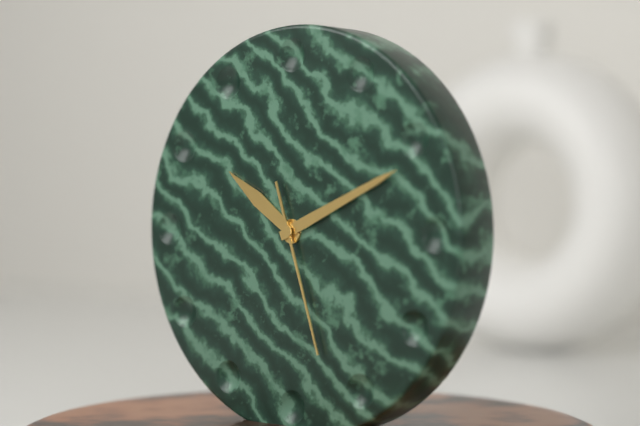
10:11:27
